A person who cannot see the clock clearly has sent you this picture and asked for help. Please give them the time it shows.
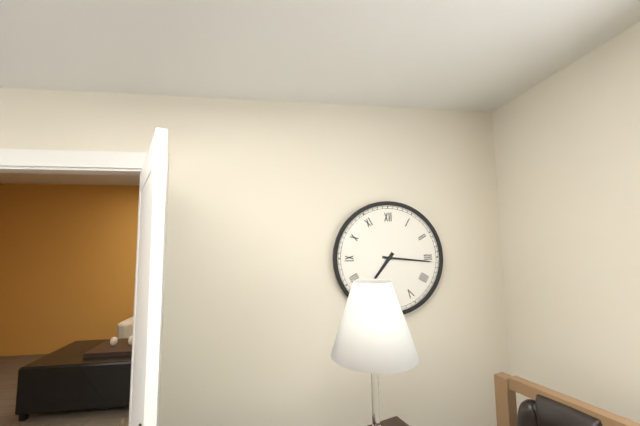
7:16
